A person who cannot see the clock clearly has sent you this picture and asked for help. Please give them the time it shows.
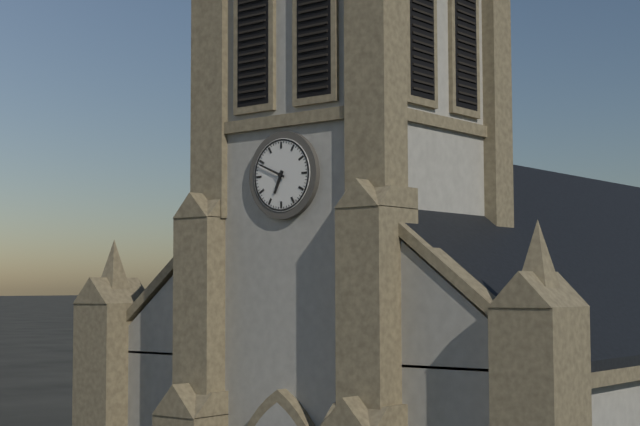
6:49
